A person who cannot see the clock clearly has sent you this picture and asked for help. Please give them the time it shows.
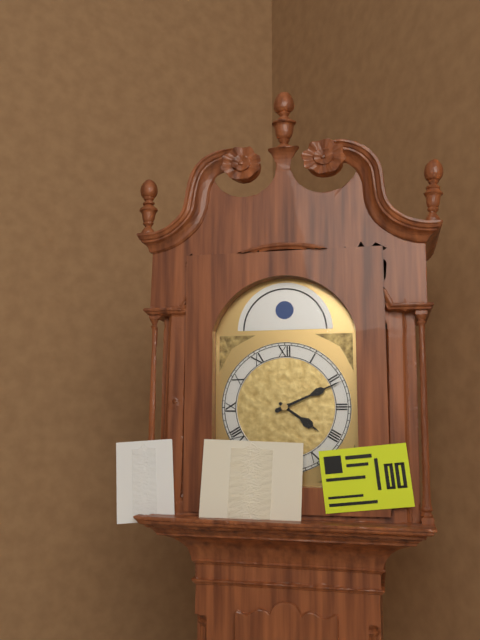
4:11
